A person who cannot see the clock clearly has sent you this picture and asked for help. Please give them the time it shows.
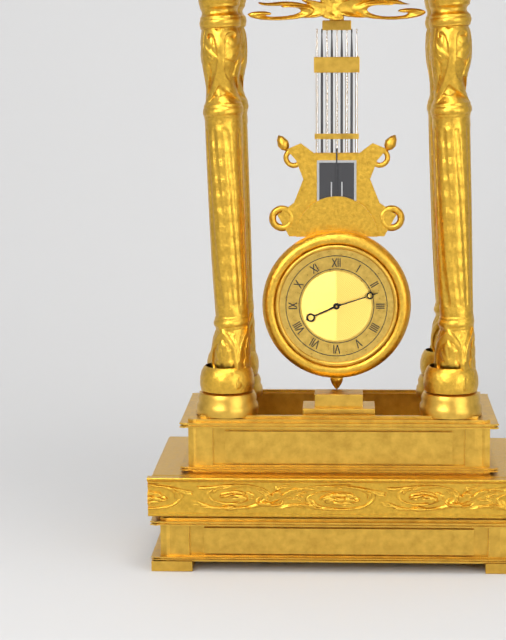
8:12
